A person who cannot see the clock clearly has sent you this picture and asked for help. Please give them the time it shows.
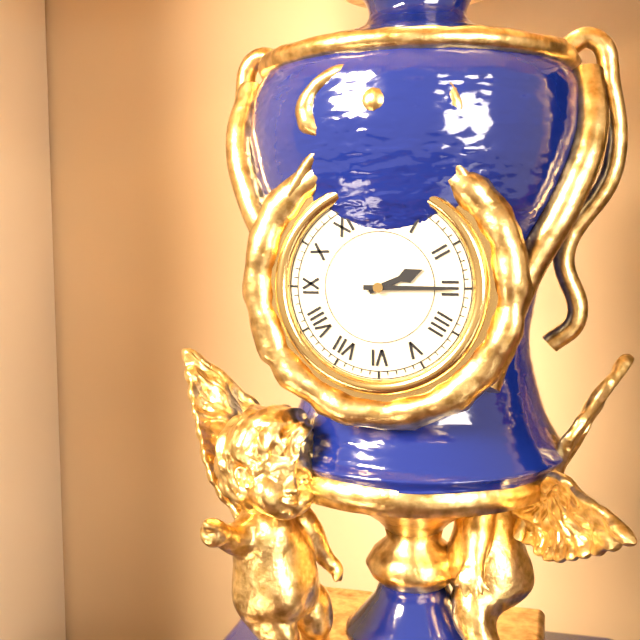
2:15
